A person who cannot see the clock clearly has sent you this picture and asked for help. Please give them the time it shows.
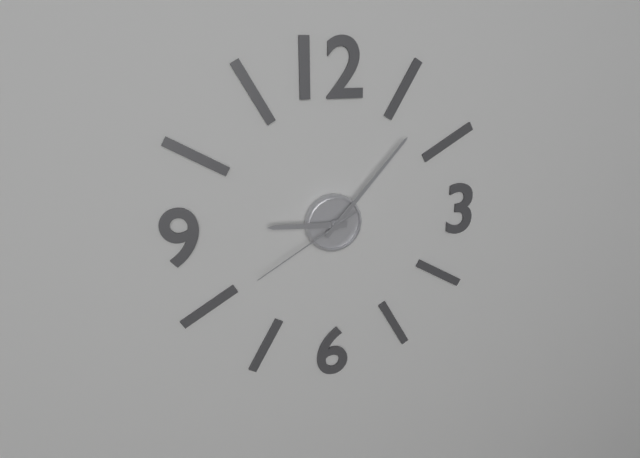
9:07:40
